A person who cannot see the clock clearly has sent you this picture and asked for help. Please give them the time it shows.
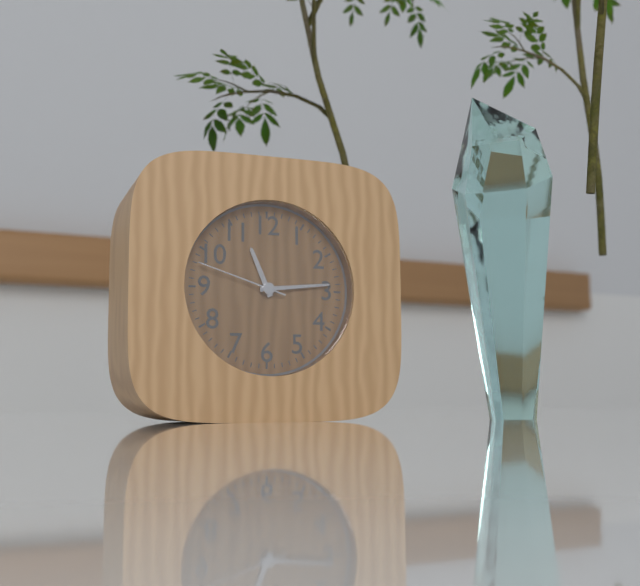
11:14:48
